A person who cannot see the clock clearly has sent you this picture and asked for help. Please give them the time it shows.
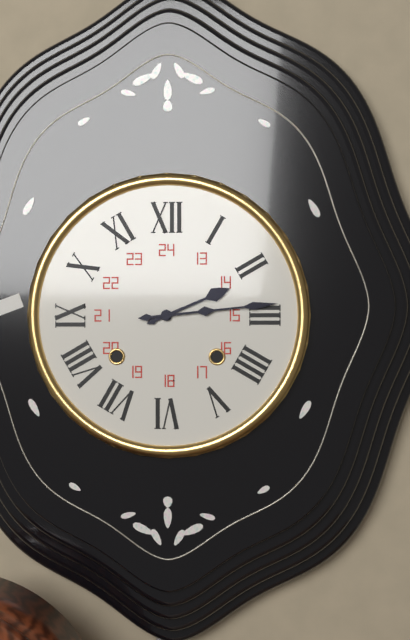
2:14
